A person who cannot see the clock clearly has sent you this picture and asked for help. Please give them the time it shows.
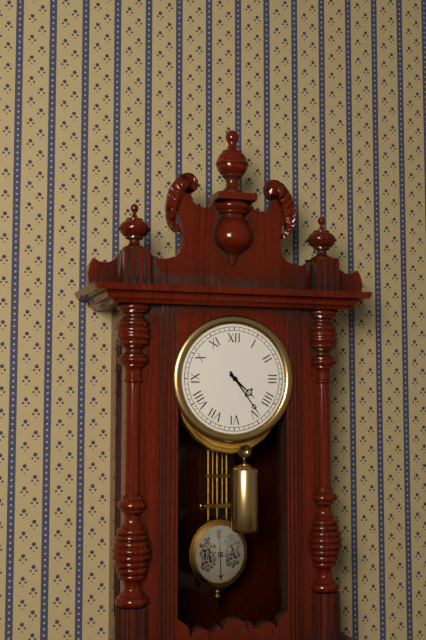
4:24
